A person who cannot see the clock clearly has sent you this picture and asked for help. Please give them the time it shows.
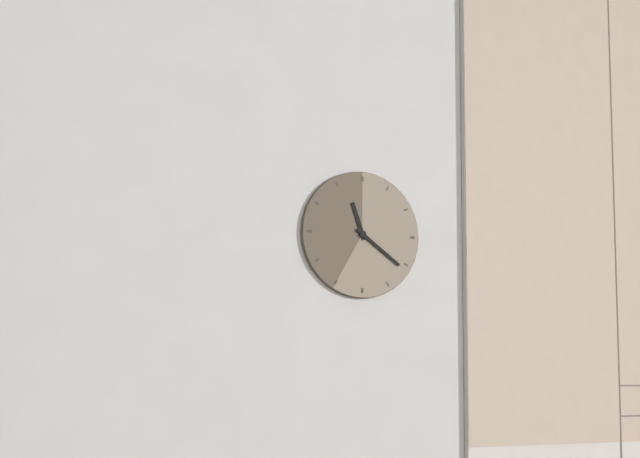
11:21
